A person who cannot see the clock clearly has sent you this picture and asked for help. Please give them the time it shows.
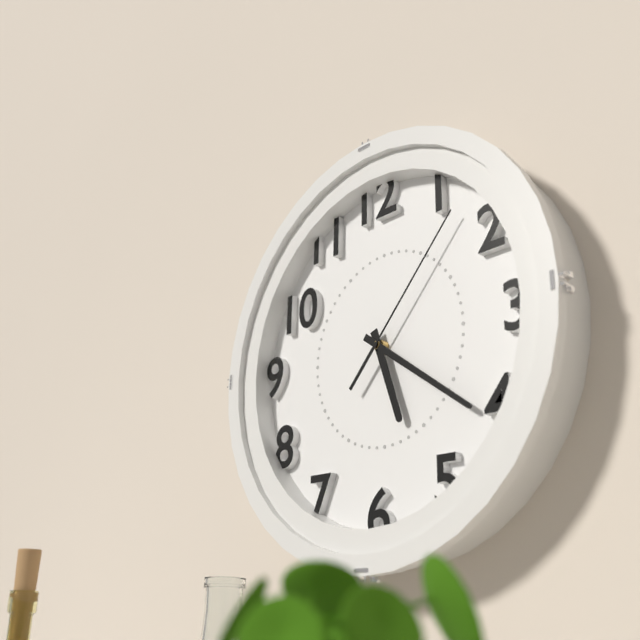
5:21:07
